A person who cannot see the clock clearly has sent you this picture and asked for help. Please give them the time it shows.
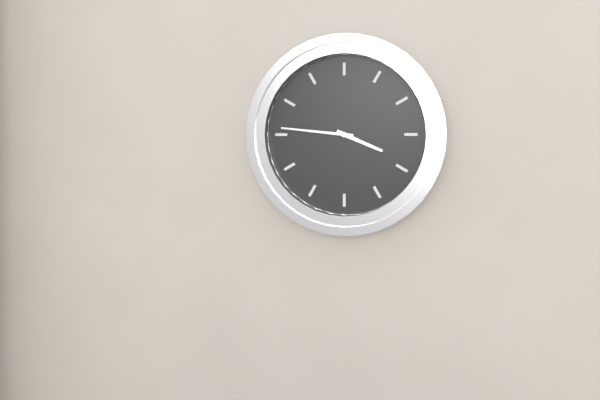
3:46
